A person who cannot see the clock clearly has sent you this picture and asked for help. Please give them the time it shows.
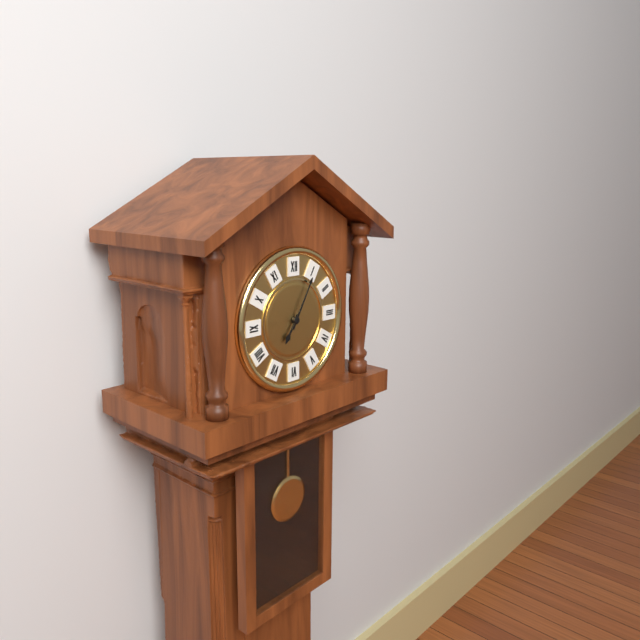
7:05
